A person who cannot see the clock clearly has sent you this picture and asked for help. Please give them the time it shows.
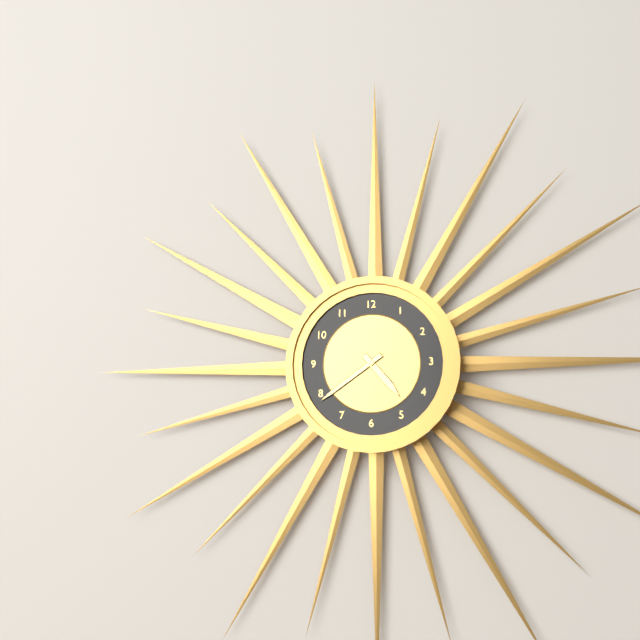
4:39
